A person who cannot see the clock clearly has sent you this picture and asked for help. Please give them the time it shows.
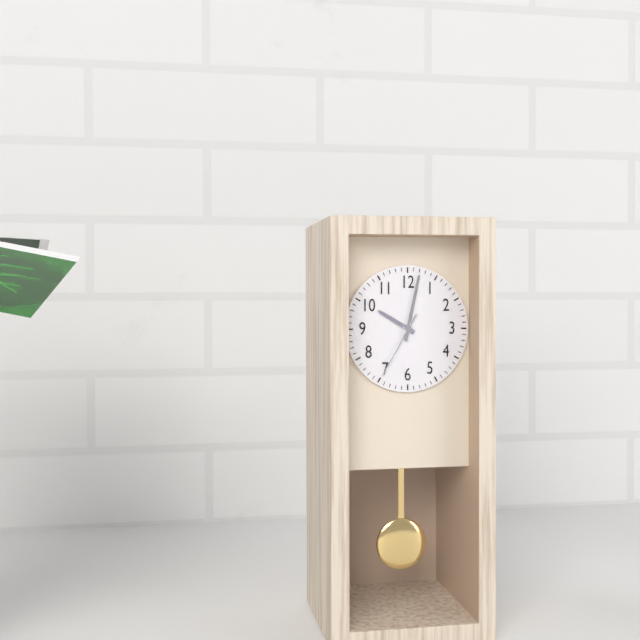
10:02:35
